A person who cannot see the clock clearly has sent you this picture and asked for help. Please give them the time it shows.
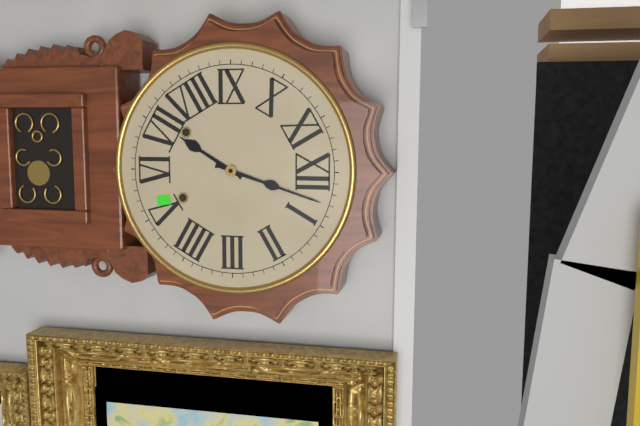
7:03
